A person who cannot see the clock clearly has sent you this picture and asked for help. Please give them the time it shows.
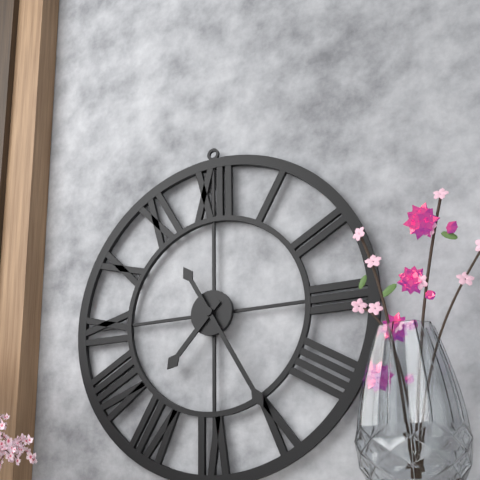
7:25
